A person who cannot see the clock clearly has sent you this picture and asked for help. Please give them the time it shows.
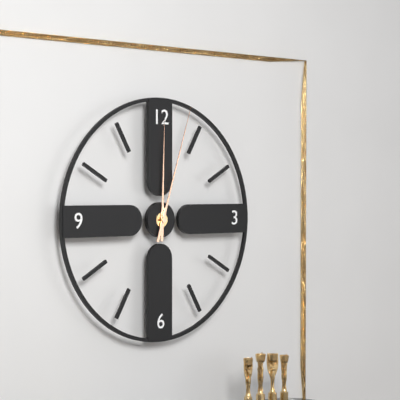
12:03
